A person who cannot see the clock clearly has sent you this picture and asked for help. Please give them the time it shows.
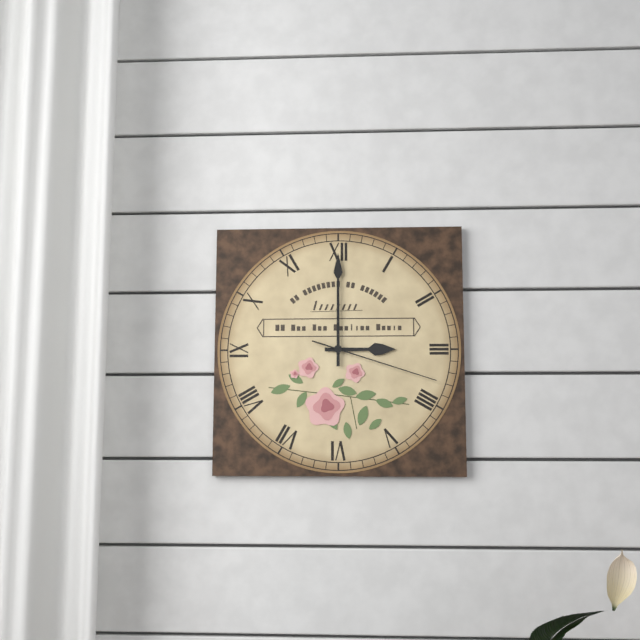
3:00:18
